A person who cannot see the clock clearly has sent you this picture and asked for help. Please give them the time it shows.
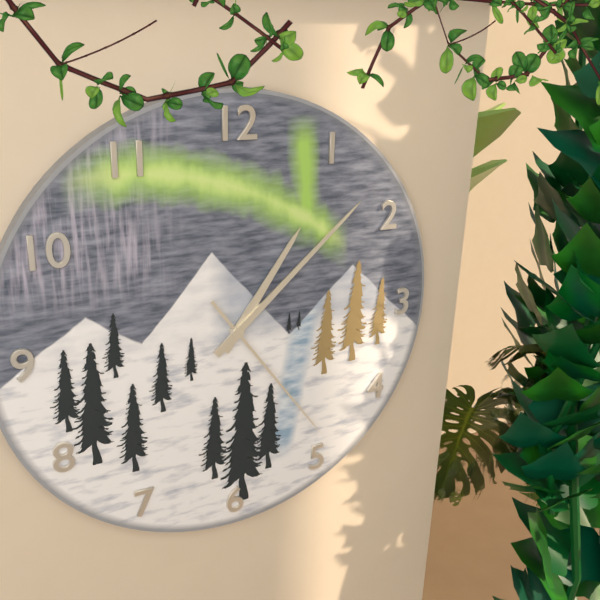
1:08:24
